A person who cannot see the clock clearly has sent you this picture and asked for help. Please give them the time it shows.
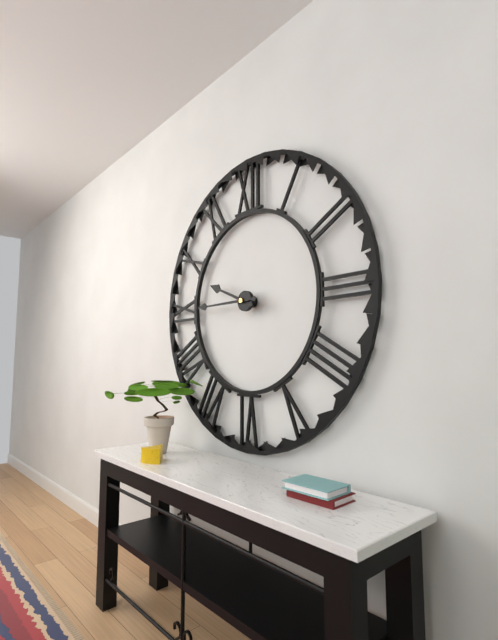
9:45
